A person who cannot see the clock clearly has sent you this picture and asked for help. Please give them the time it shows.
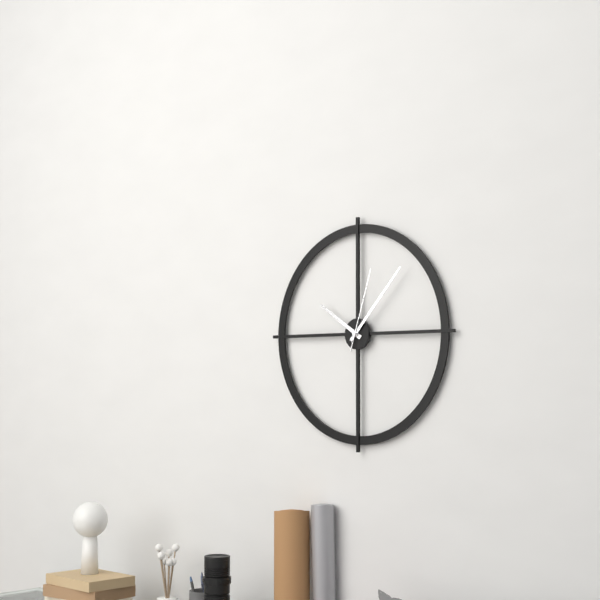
10:07:03
